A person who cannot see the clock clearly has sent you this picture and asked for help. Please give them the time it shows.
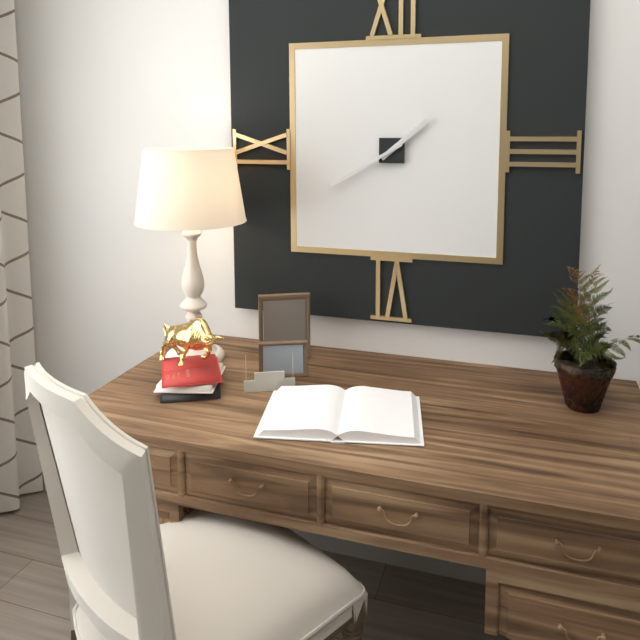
1:40
